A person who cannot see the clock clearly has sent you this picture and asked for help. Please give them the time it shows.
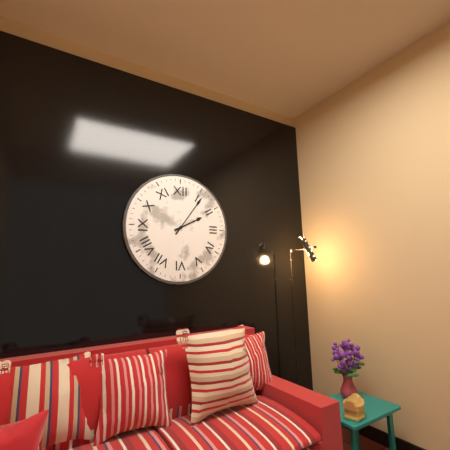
2:06
